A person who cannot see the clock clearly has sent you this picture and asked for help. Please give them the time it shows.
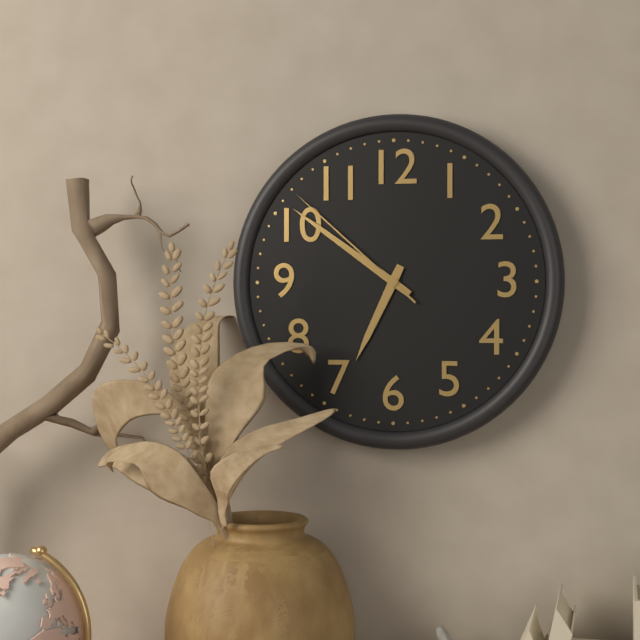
6:51:52
